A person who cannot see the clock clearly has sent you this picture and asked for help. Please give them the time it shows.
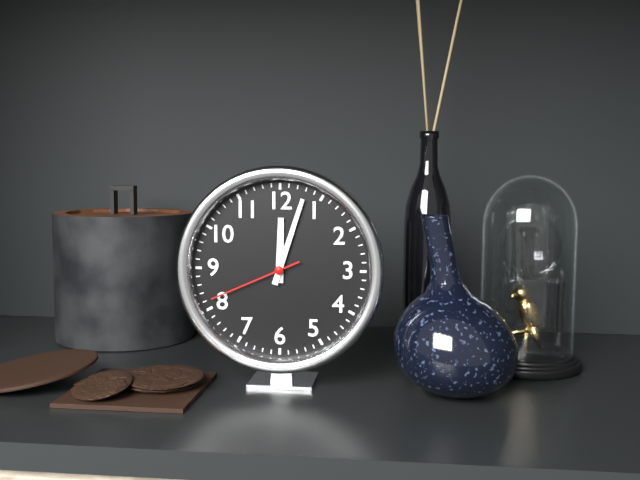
12:03:41
